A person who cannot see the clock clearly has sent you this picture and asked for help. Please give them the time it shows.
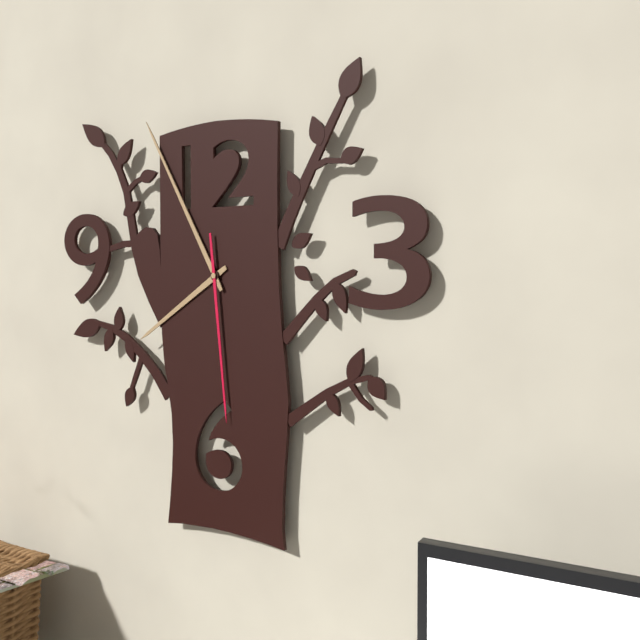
7:55:29
